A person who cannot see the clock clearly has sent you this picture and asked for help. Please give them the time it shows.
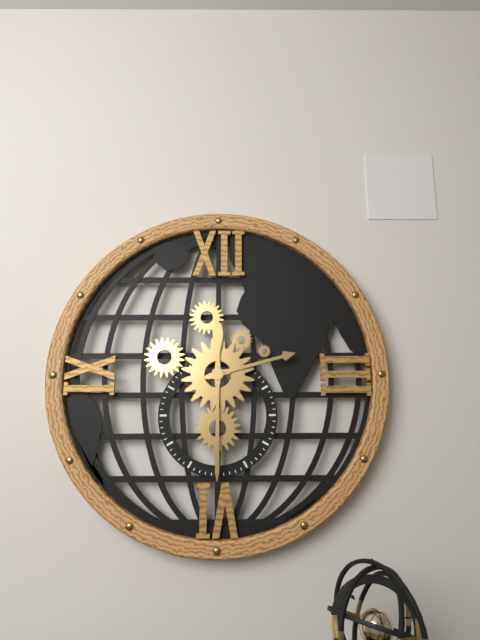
2:30
